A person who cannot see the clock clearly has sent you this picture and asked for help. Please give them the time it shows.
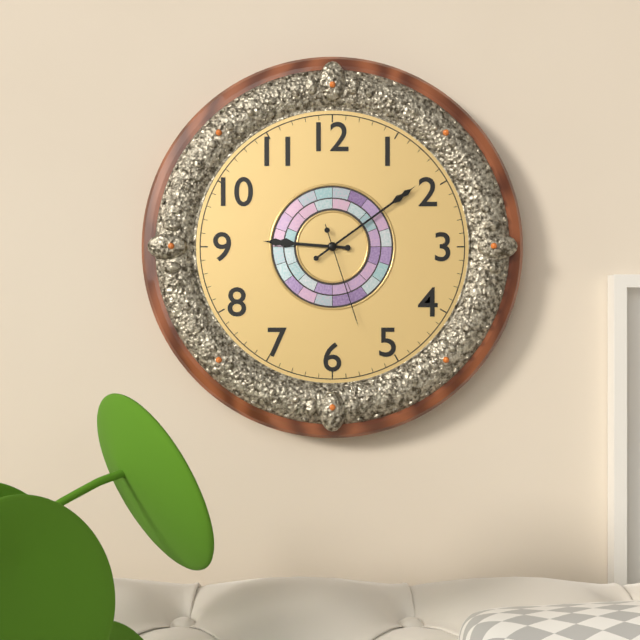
9:09:27
